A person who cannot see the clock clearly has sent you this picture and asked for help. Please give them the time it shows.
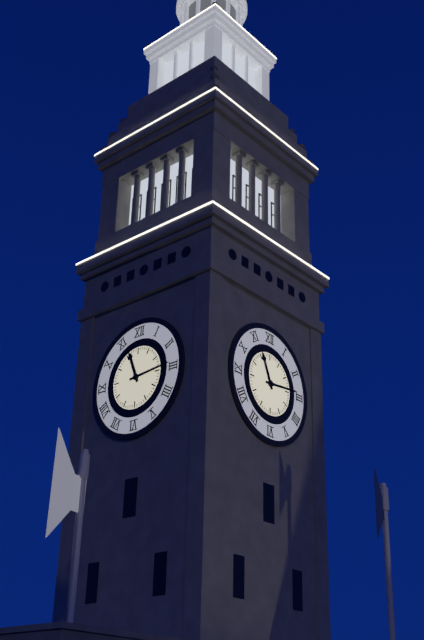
11:14
